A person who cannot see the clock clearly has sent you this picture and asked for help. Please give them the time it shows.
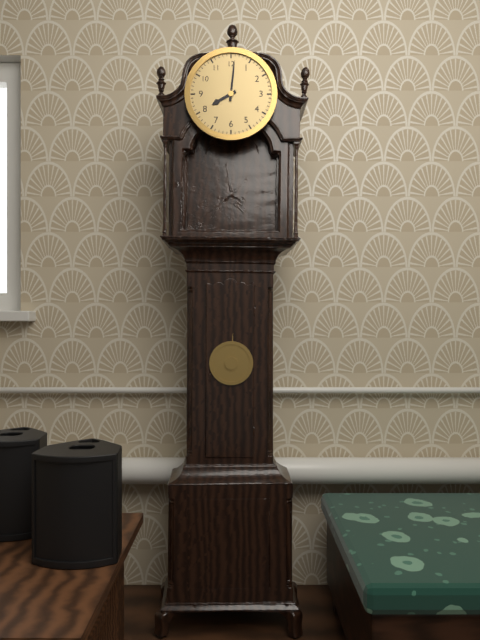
8:01
